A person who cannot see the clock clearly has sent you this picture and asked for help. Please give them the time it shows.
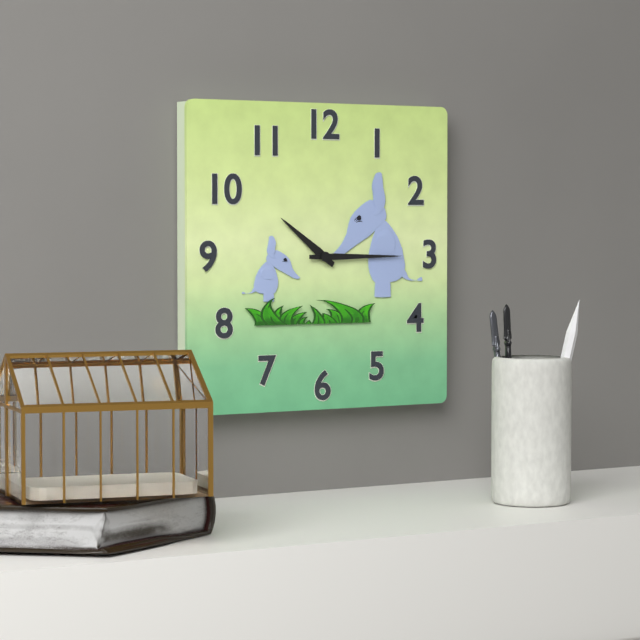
10:15
